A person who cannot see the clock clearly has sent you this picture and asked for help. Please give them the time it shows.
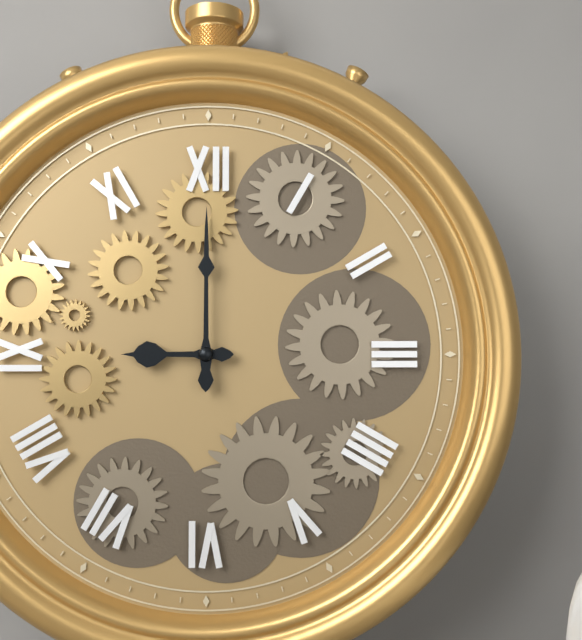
9:00
